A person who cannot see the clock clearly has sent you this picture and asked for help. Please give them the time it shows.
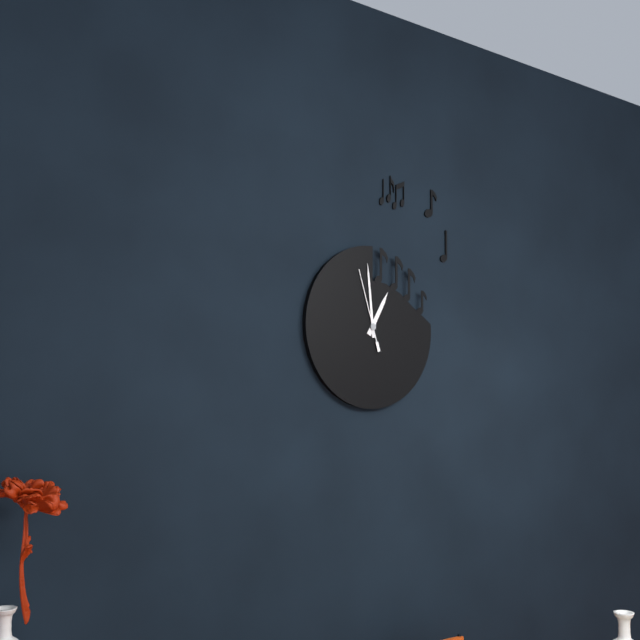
12:59:57
